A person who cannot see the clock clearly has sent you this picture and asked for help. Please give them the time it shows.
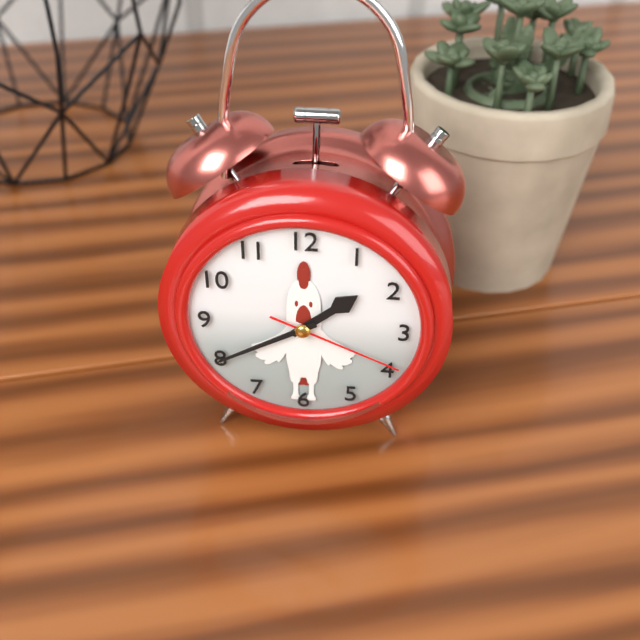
1:40:19
